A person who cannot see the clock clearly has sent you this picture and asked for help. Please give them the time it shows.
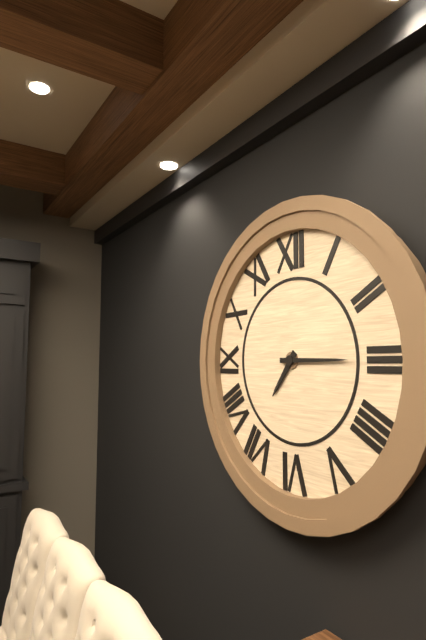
7:15
